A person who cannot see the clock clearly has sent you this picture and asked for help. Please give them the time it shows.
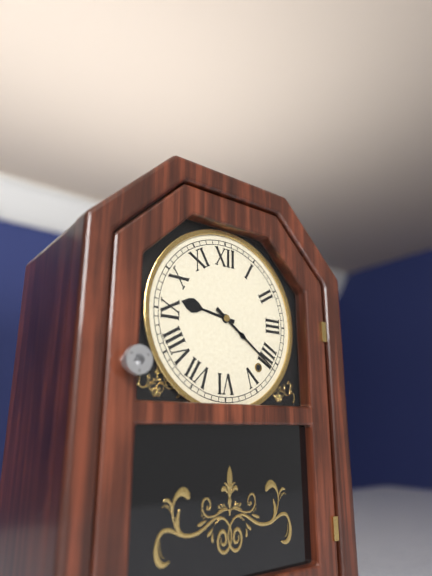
9:21
